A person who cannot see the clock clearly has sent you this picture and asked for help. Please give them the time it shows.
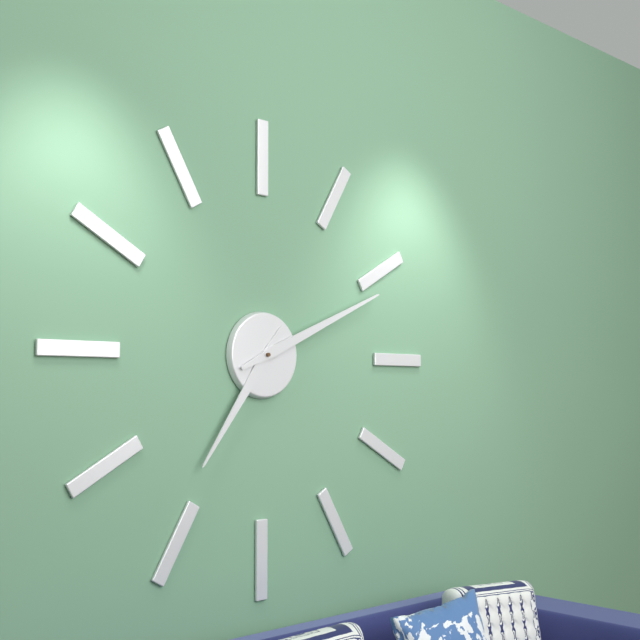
7:11
